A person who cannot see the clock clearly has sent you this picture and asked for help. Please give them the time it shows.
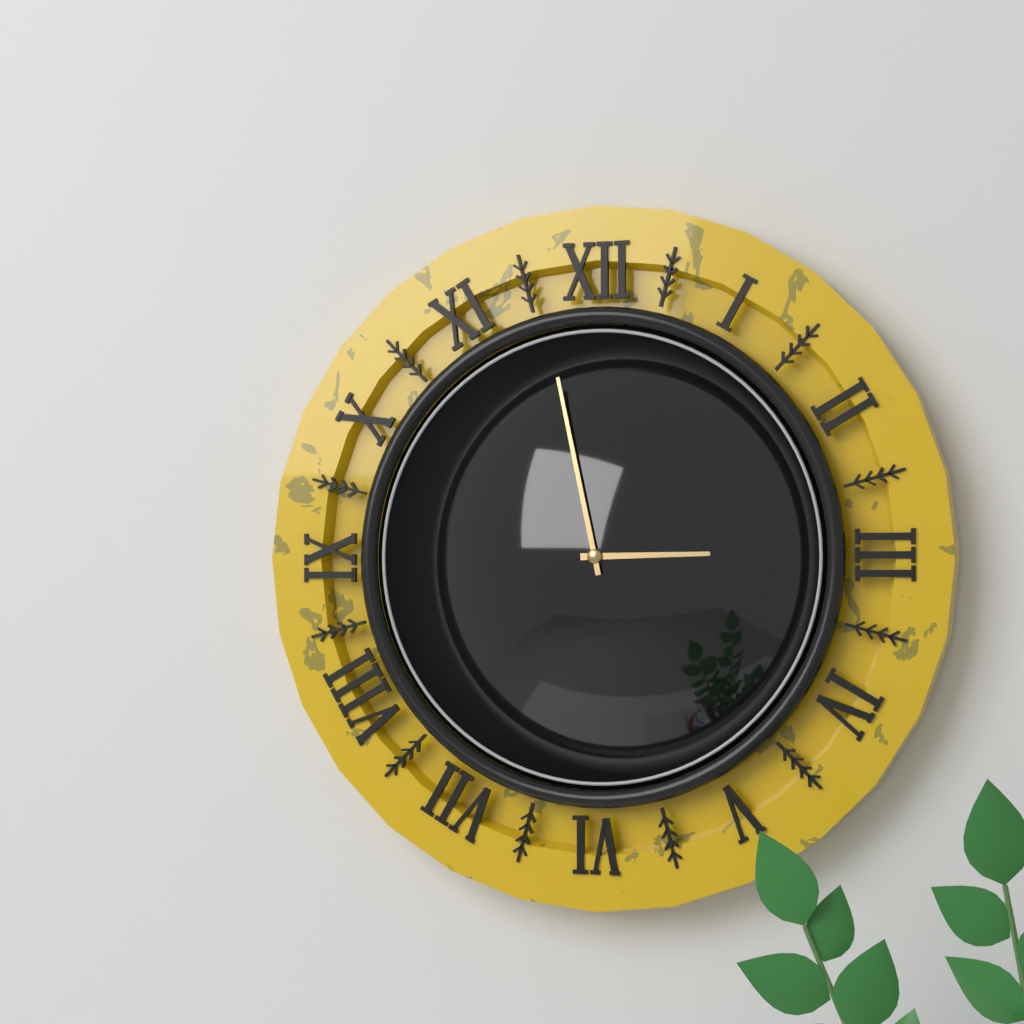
2:58
